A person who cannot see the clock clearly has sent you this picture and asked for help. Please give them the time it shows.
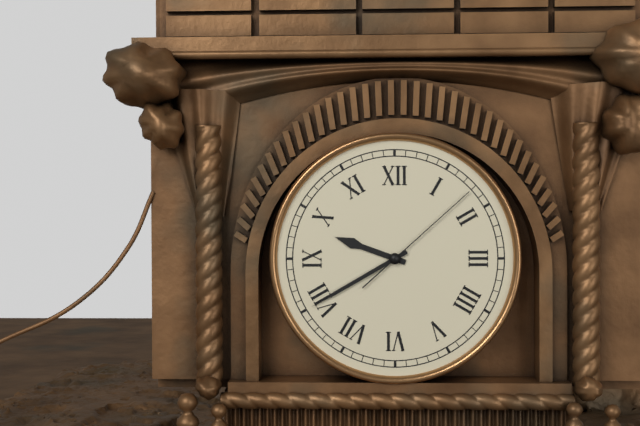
9:40:08
